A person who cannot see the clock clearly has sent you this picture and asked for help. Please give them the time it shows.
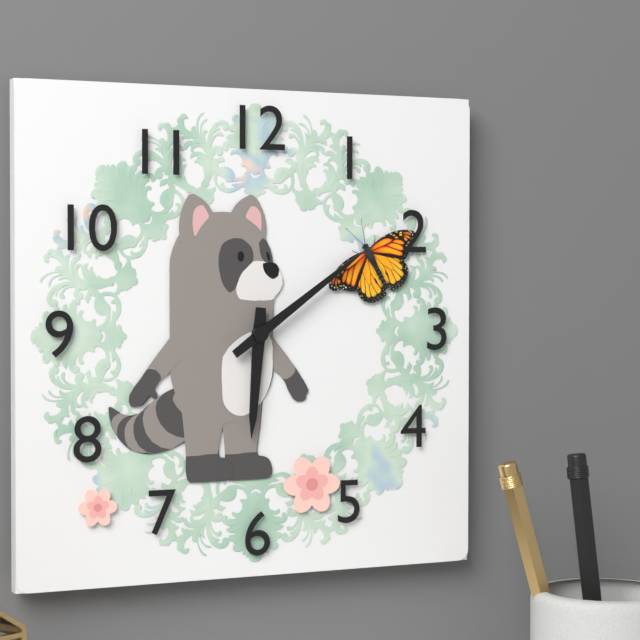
6:09
